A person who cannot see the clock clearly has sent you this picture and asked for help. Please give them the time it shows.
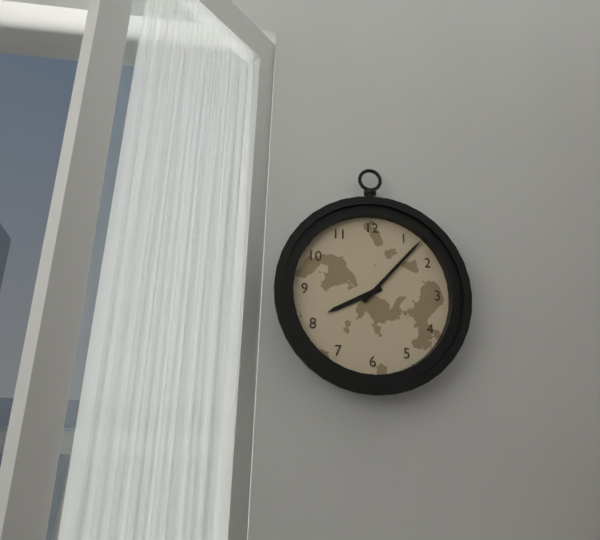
8:07
